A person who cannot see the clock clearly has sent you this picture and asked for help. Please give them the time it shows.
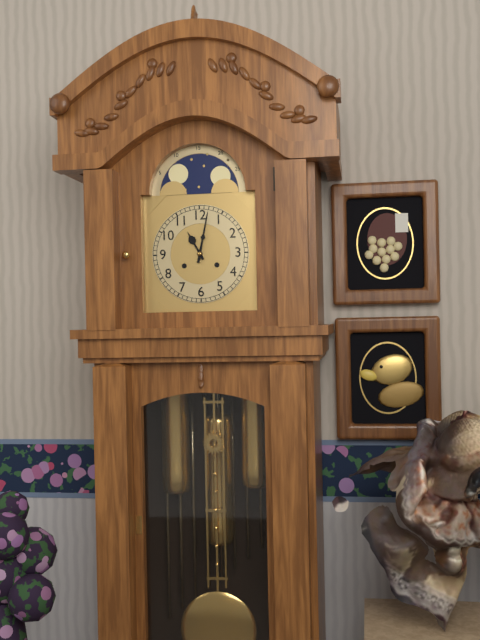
11:02
